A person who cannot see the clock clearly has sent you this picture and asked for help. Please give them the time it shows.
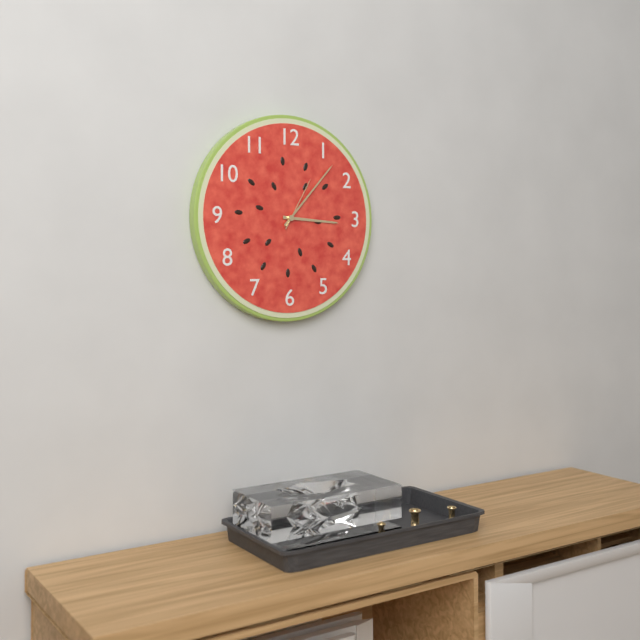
3:07:05
